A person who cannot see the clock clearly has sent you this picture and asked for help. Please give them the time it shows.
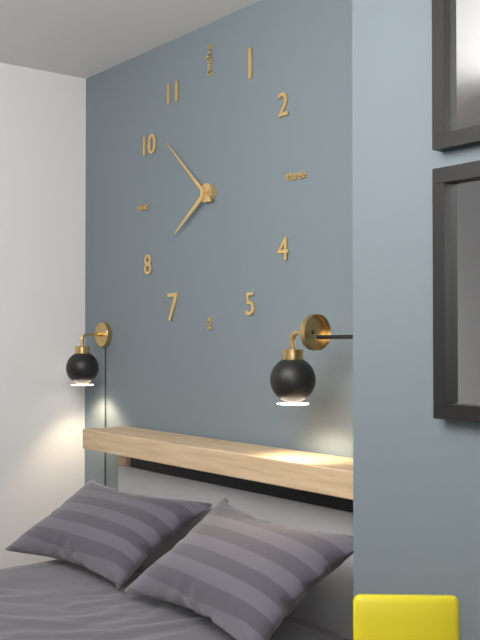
7:52
